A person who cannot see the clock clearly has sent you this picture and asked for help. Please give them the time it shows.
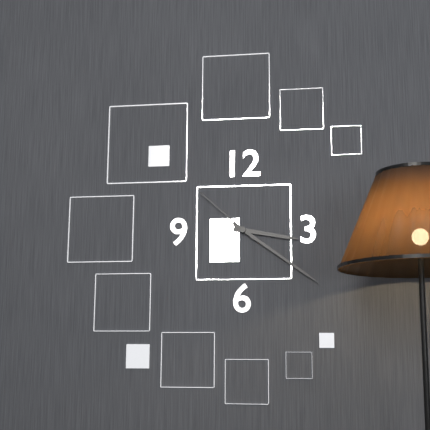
3:21:52
